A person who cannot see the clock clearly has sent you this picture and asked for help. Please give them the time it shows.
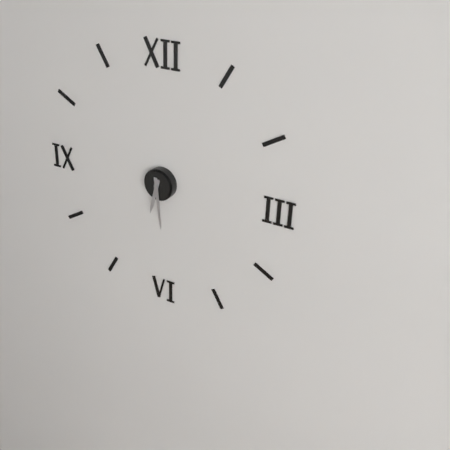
6:29
